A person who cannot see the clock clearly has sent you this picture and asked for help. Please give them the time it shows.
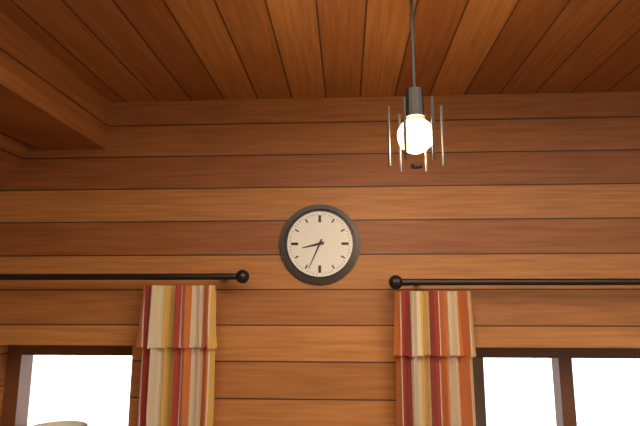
8:34
